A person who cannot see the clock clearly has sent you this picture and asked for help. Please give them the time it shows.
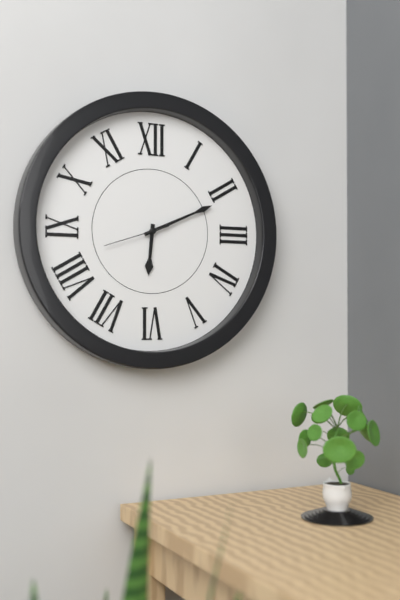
6:11:42
